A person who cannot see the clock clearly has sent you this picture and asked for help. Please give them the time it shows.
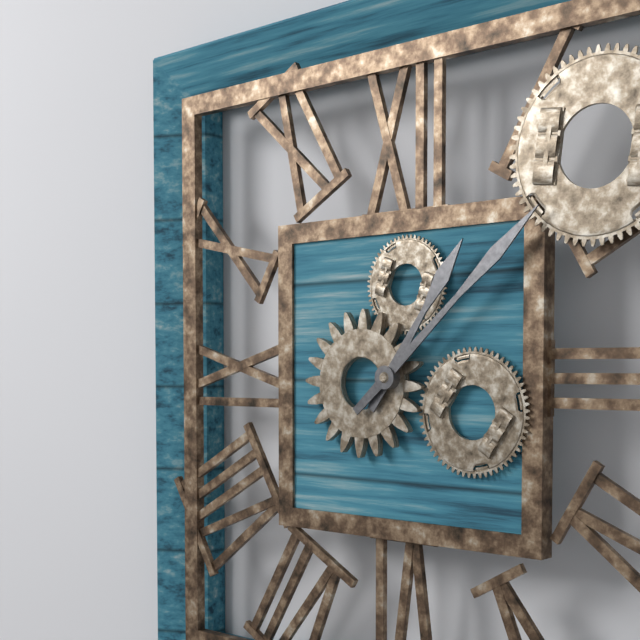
1:08
